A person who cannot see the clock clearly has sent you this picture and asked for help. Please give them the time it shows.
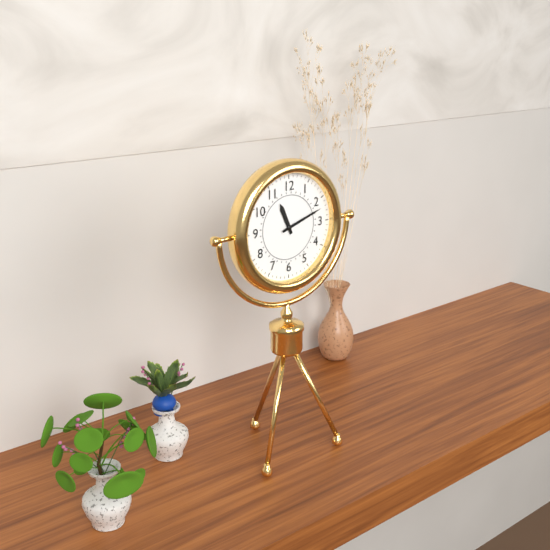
11:12
